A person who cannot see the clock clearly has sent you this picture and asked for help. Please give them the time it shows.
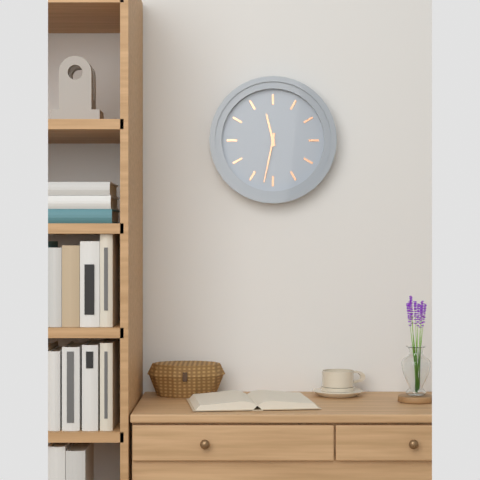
11:32
